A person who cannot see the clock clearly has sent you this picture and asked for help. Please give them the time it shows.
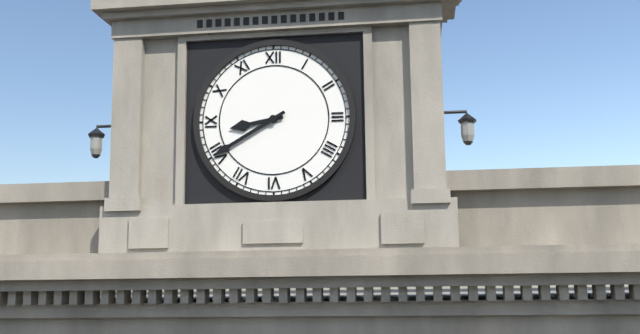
8:40
